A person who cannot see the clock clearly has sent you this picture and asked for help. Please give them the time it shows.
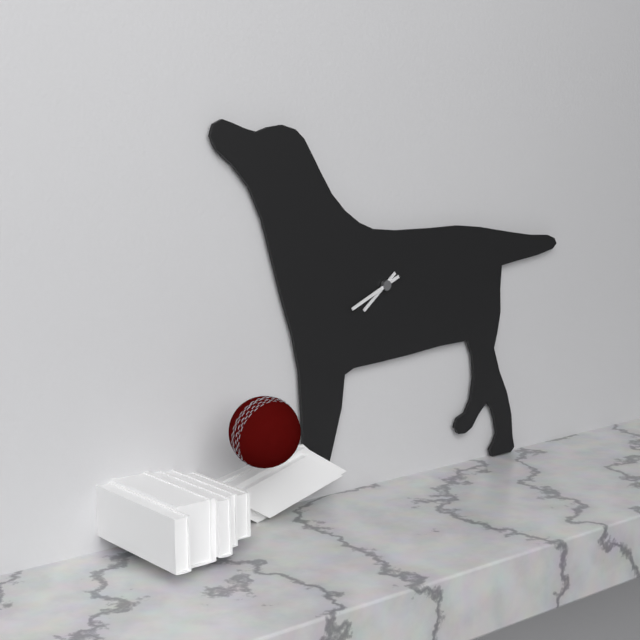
7:41
